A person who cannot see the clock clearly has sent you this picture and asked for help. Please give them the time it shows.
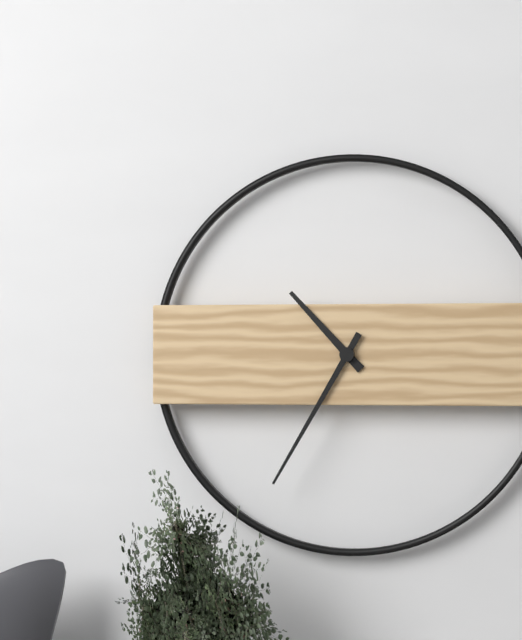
10:35
